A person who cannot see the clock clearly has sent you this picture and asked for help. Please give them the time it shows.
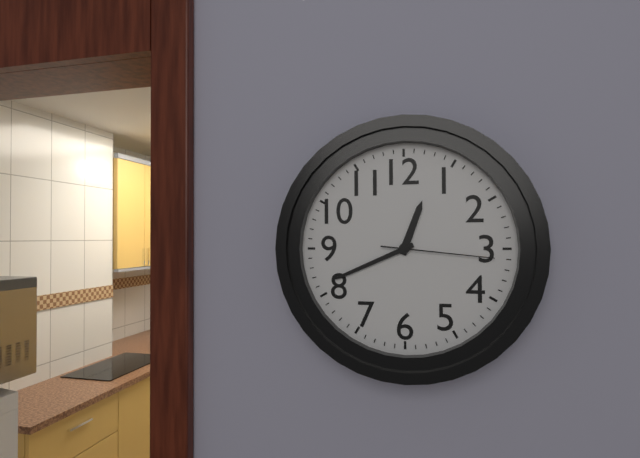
12:41:16
